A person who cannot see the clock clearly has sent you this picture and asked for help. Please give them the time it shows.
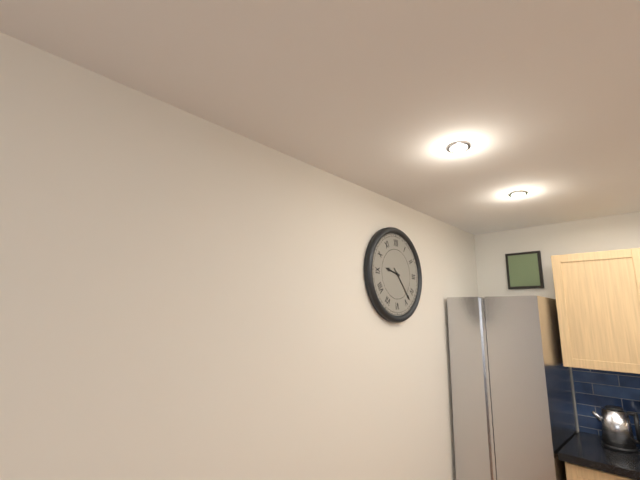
9:23
